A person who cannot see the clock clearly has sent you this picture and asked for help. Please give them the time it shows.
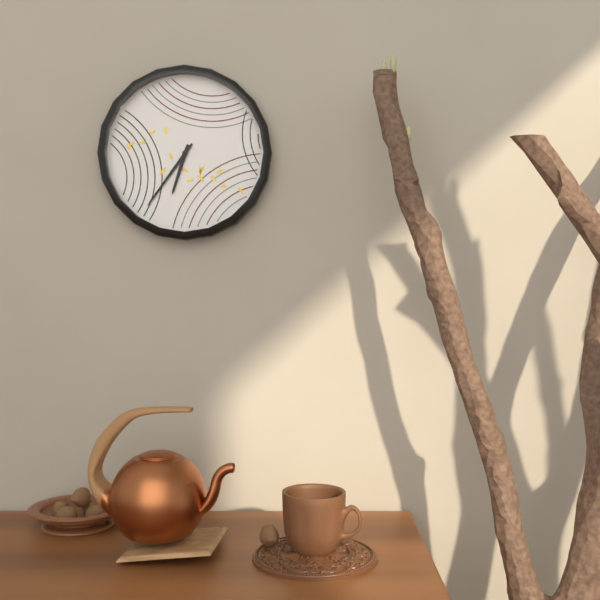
6:36
